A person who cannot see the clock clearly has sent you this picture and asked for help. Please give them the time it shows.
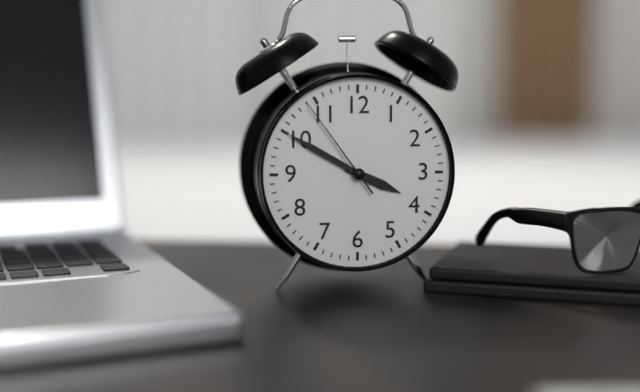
3:50:54
